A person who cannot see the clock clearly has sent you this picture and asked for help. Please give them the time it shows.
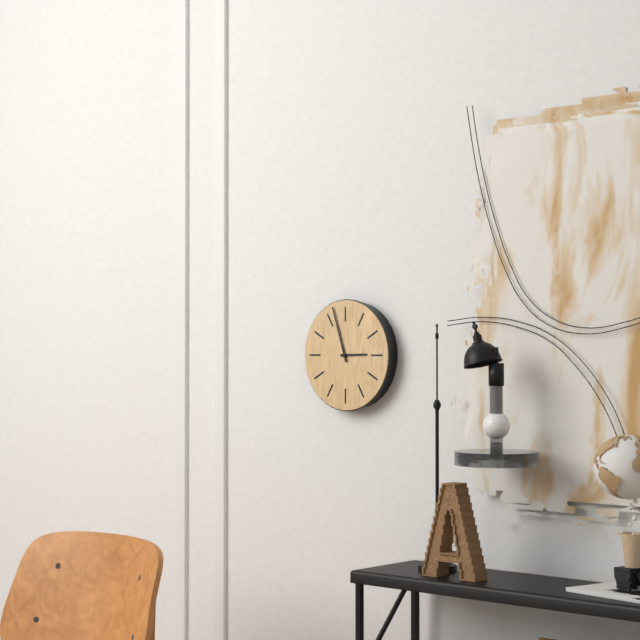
2:57
